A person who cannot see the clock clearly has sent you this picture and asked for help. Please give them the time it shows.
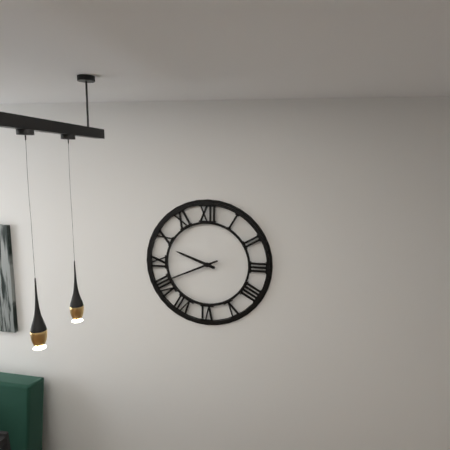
9:41
